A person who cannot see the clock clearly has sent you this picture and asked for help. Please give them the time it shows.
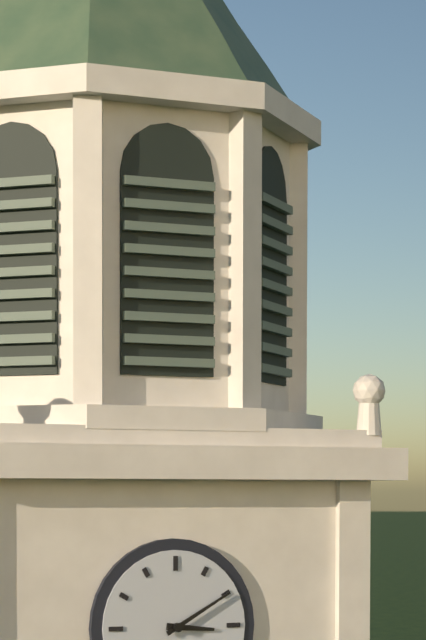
3:10
